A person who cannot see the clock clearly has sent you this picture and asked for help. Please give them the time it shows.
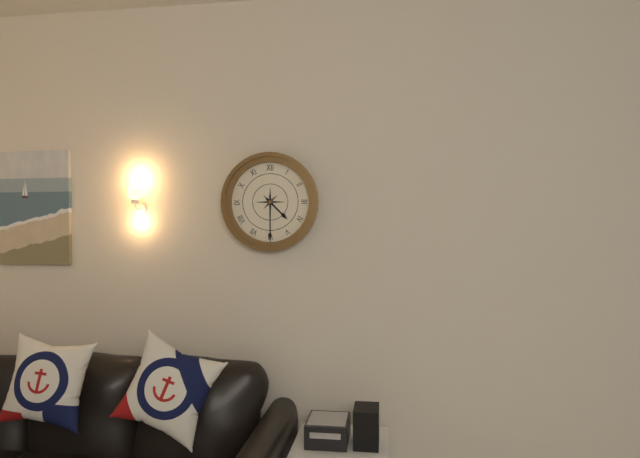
4:30
